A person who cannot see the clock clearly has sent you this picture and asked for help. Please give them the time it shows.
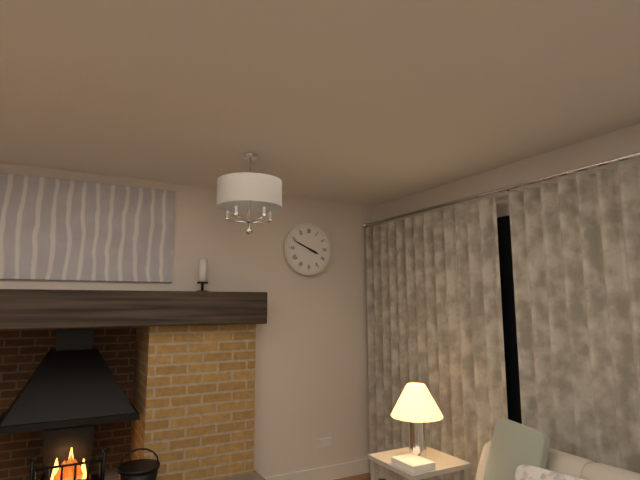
3:49
